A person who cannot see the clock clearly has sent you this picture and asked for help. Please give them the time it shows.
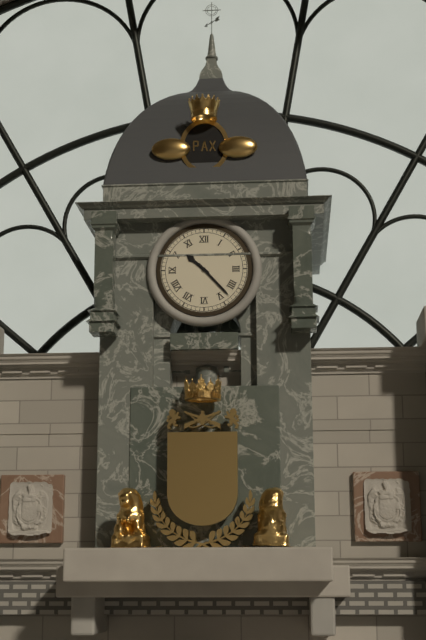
10:23
